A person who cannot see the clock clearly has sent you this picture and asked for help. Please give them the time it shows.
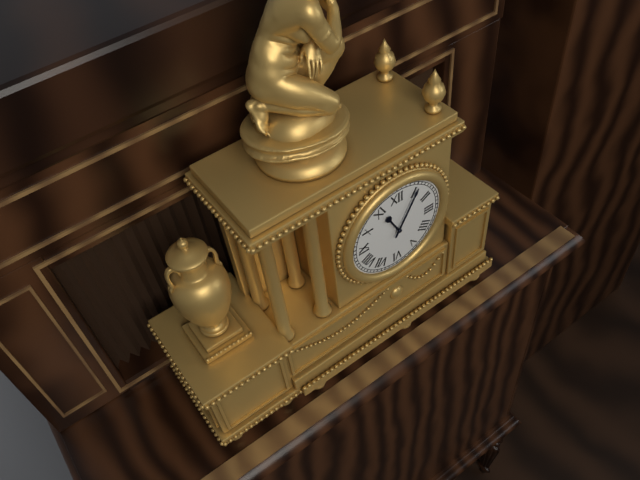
11:05
